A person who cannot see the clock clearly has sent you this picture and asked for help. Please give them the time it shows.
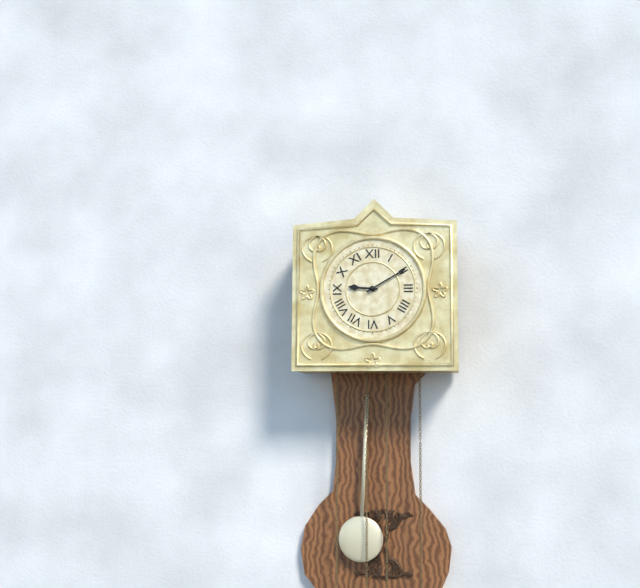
9:10
